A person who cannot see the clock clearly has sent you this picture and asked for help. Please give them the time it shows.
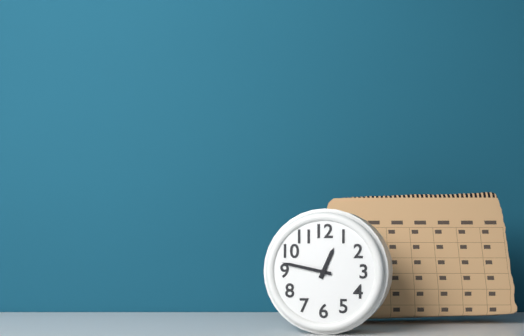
12:47
